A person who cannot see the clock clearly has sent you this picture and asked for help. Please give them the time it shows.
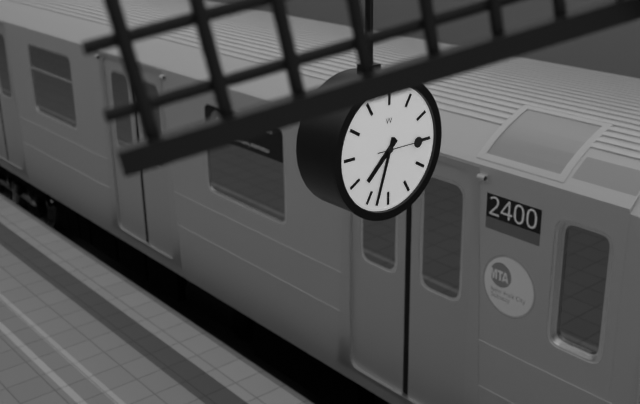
7:33:15
